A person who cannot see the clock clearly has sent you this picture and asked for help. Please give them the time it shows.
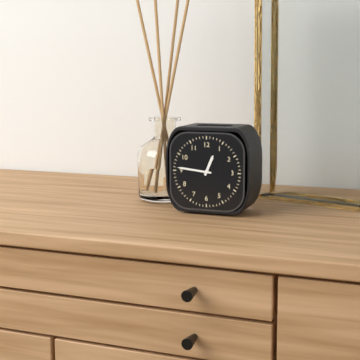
12:46
